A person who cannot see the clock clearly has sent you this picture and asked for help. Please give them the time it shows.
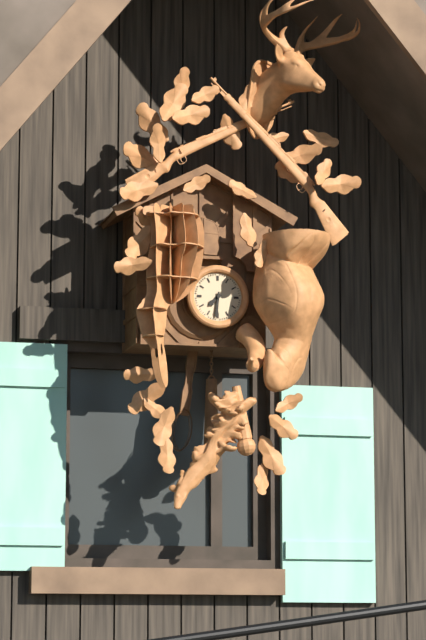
7:31
